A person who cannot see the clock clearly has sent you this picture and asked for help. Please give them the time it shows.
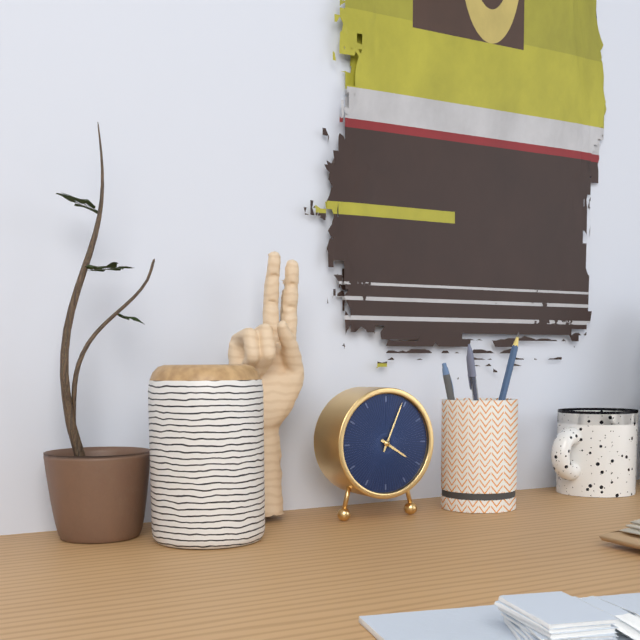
4:04
